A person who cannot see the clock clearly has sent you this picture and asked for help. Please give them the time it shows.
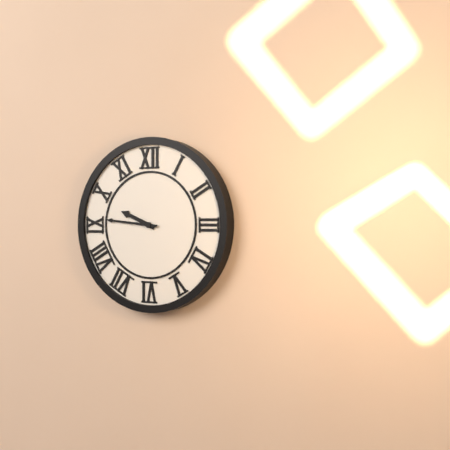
9:46
